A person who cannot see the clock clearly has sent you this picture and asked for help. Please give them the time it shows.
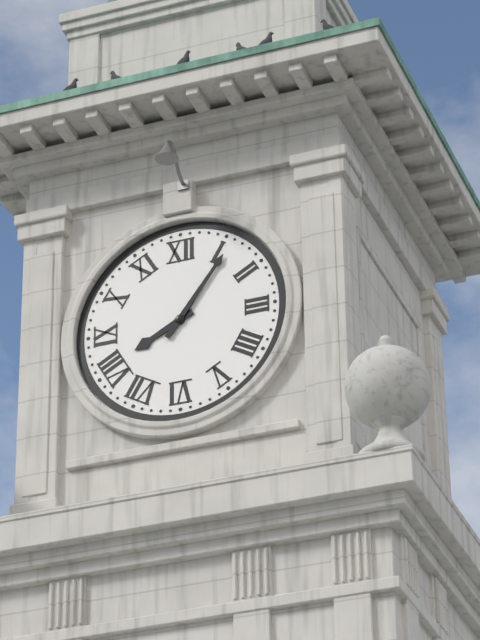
8:06
